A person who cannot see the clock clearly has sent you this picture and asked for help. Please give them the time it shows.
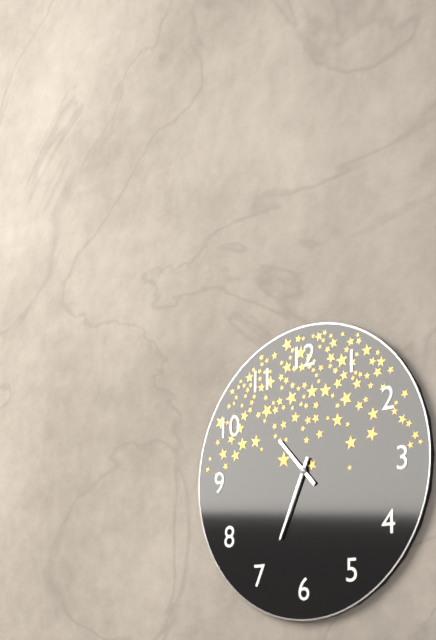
10:34
